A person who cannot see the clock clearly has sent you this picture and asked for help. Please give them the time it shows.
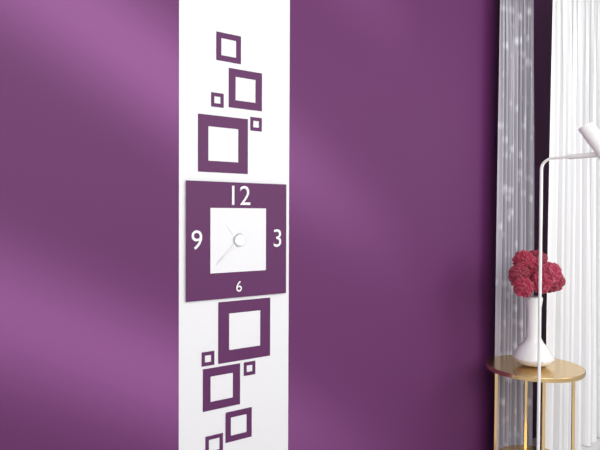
10:38
